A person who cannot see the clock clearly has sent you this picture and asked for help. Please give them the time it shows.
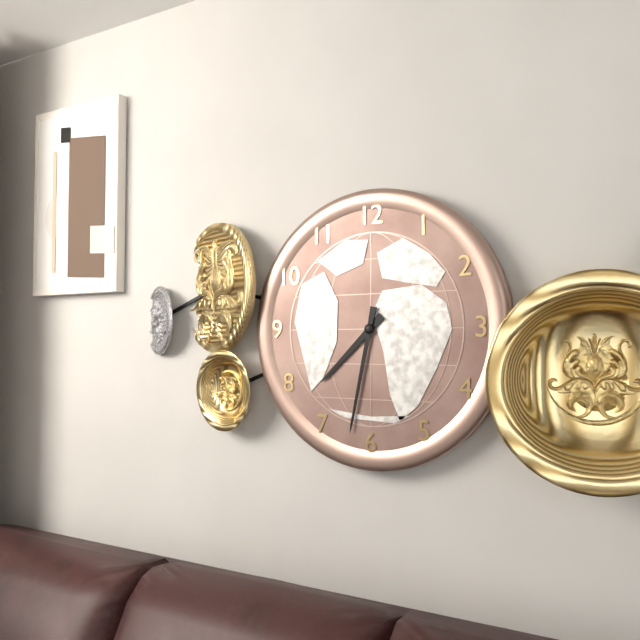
7:32
